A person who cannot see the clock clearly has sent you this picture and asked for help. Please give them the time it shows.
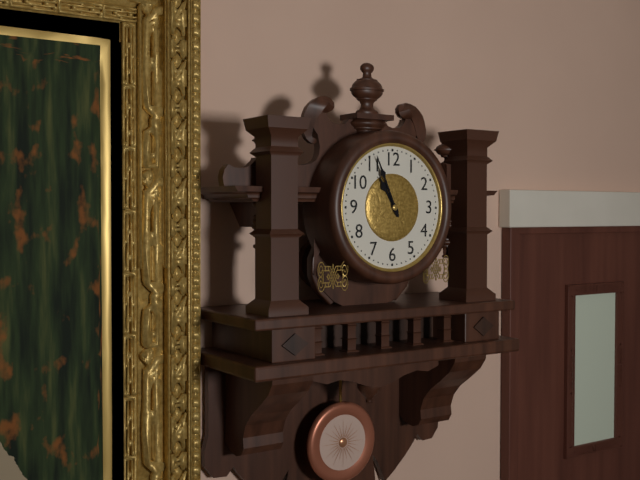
10:56
